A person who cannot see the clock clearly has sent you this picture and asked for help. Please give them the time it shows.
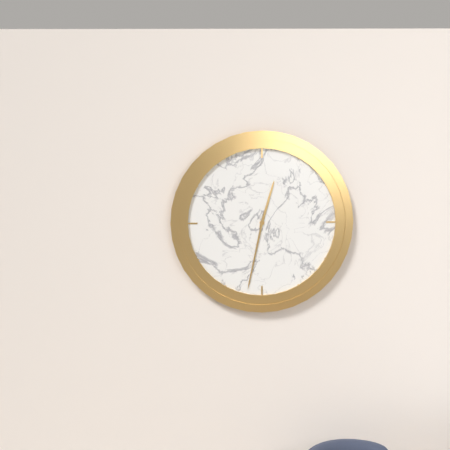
12:32
